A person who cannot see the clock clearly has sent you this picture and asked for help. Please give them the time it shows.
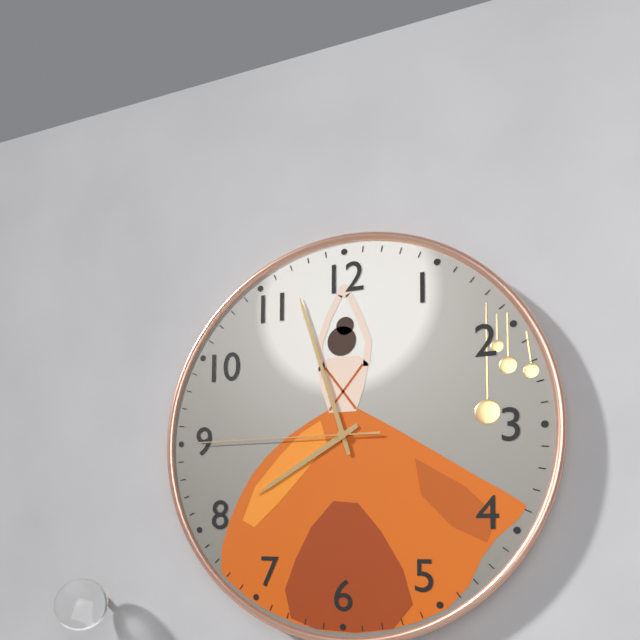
7:57:45
